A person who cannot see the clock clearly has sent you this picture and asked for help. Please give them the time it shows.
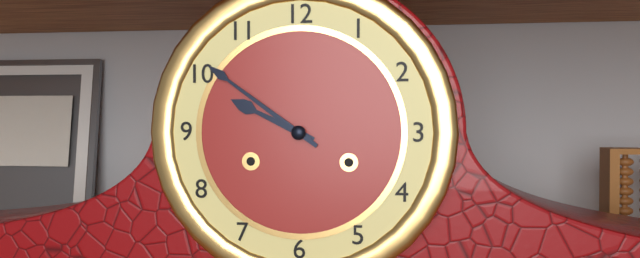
9:51
